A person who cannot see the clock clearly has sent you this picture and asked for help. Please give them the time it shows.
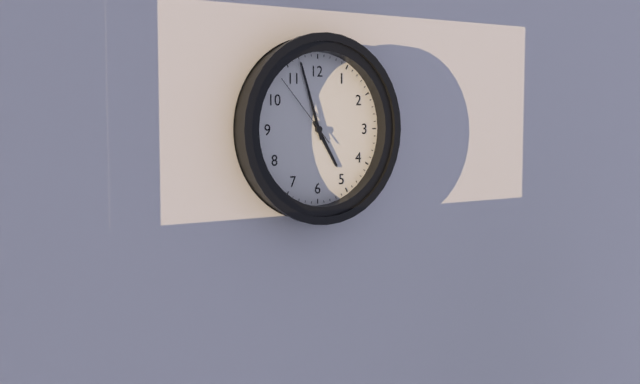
4:57:53
